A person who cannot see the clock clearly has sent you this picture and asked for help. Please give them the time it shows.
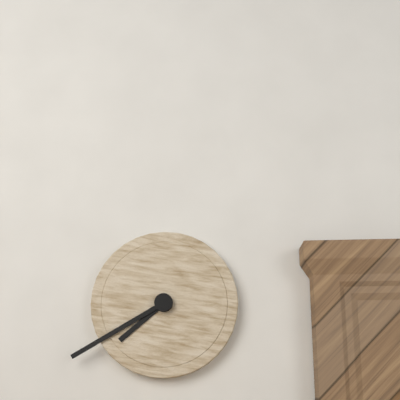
7:40
